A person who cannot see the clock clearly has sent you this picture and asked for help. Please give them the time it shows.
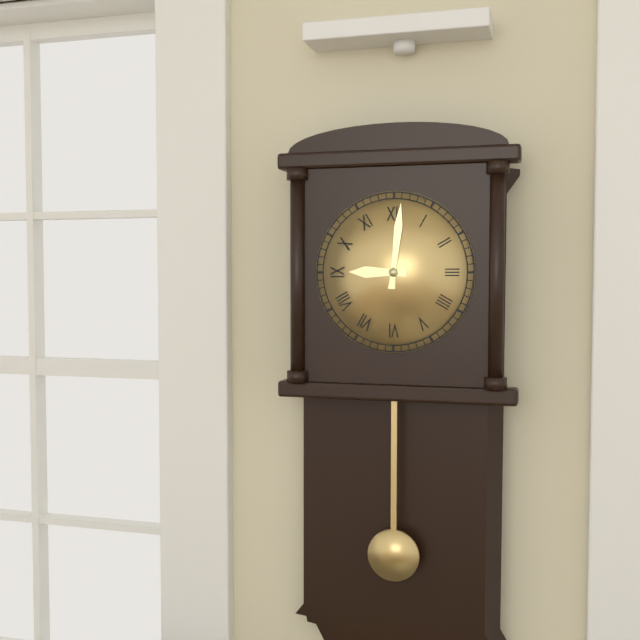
9:01
